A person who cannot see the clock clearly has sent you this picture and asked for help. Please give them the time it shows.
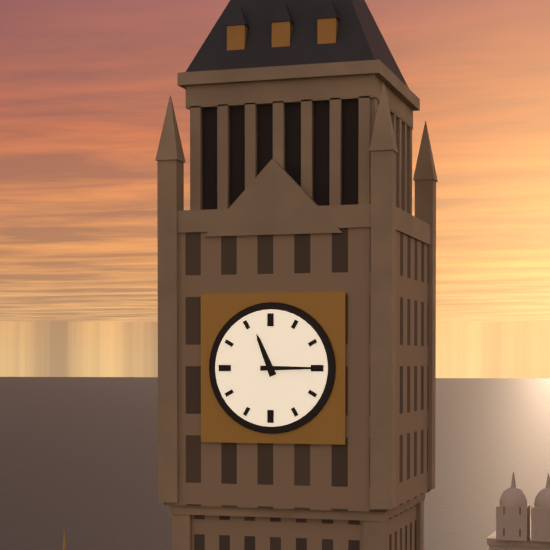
11:15
